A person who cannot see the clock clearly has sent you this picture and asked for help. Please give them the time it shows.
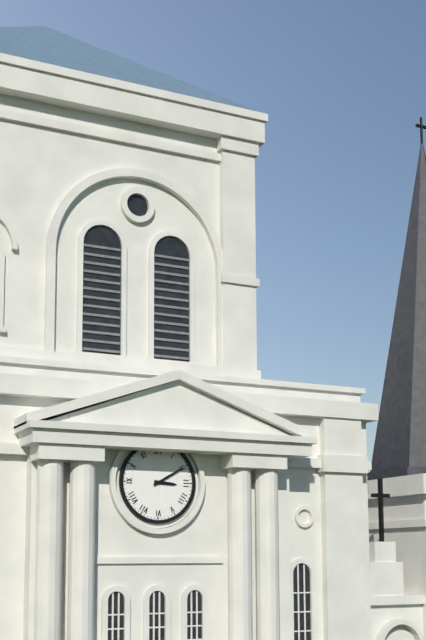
3:10
